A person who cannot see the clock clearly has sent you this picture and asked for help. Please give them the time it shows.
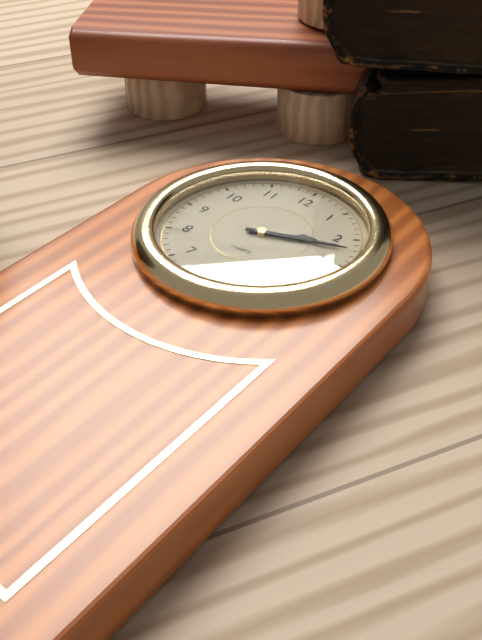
2:12
